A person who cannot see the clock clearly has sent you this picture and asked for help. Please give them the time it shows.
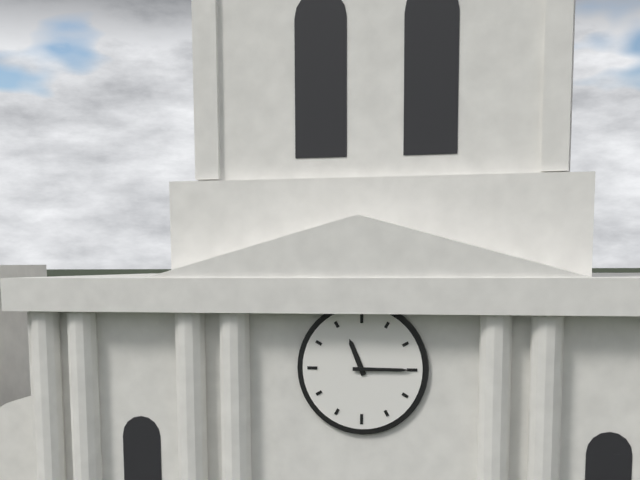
11:15
